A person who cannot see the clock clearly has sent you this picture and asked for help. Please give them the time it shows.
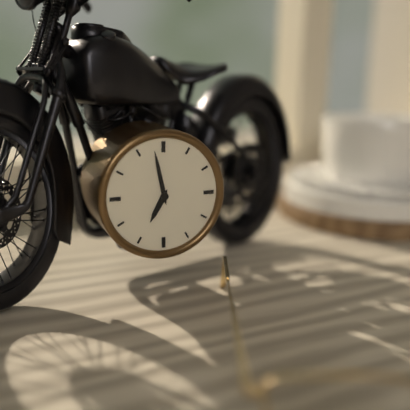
6:58
